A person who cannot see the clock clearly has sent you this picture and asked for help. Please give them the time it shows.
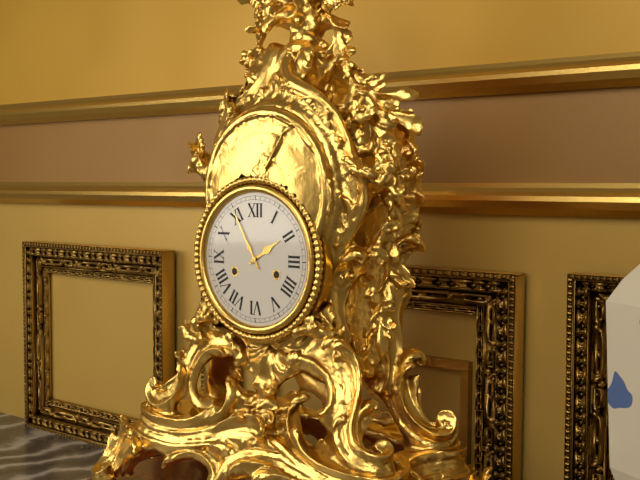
1:55
